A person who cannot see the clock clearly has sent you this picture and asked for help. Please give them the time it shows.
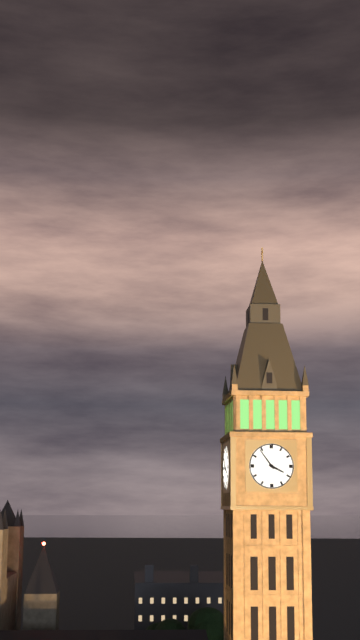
3:54
